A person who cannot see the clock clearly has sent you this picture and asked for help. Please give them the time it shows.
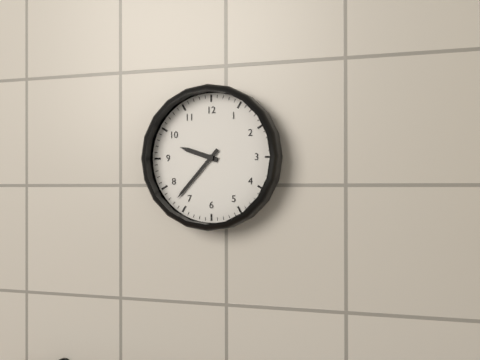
9:37
